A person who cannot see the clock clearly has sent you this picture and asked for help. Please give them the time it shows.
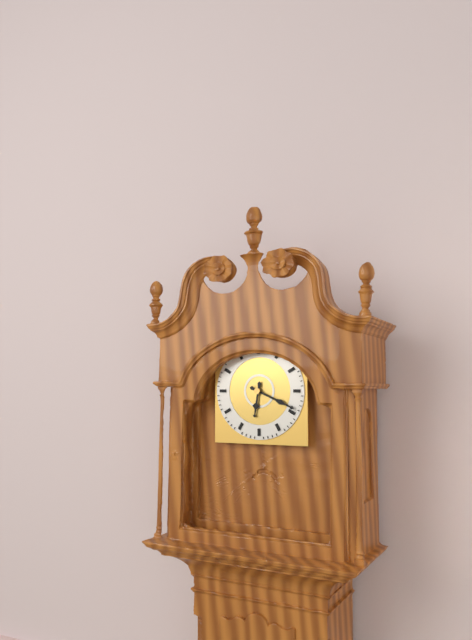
6:19
